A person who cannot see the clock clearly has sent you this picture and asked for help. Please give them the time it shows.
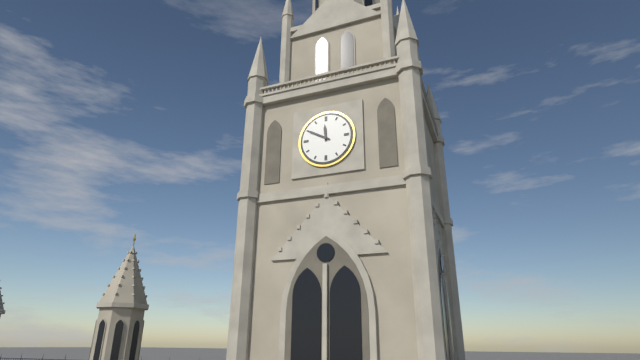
11:50
